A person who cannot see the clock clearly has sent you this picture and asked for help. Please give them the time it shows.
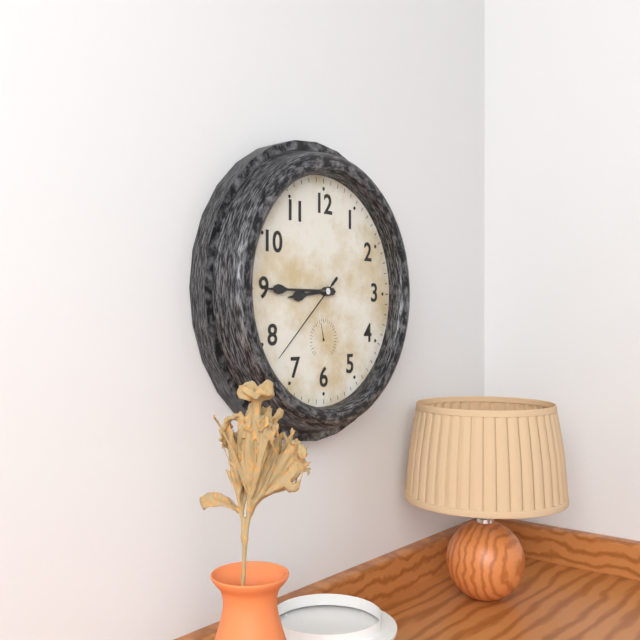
8:45:38
